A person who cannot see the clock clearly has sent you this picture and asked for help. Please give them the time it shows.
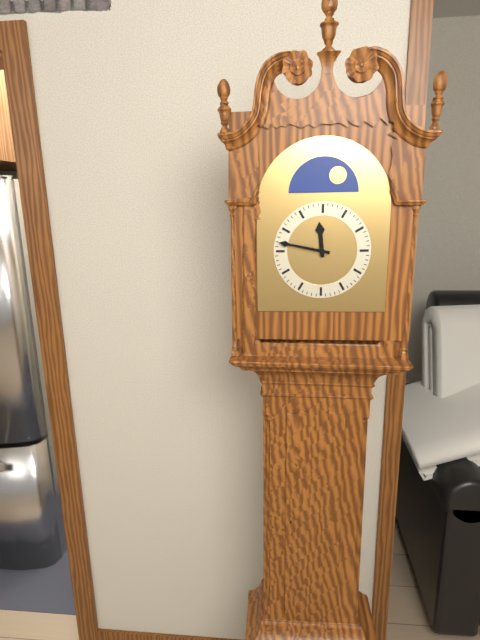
11:47
